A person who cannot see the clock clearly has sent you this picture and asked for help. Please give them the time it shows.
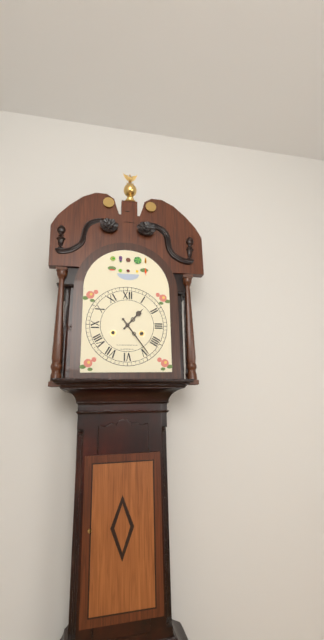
1:24
